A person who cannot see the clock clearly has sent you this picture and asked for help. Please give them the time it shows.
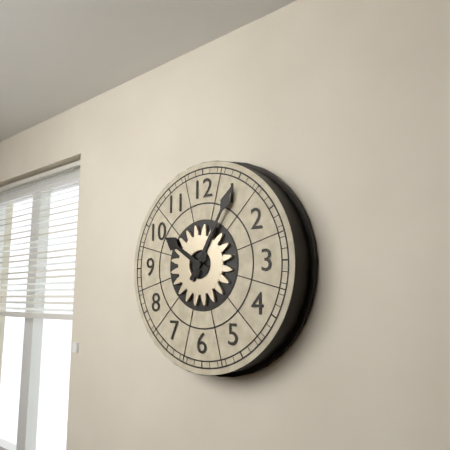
10:05
